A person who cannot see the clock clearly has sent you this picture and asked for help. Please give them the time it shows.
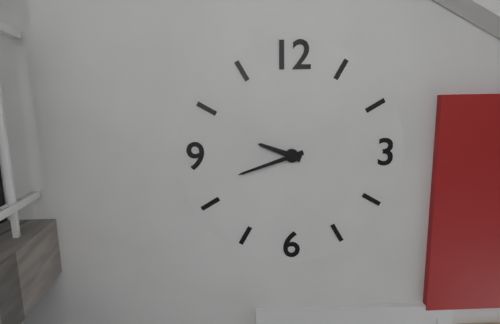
9:42
